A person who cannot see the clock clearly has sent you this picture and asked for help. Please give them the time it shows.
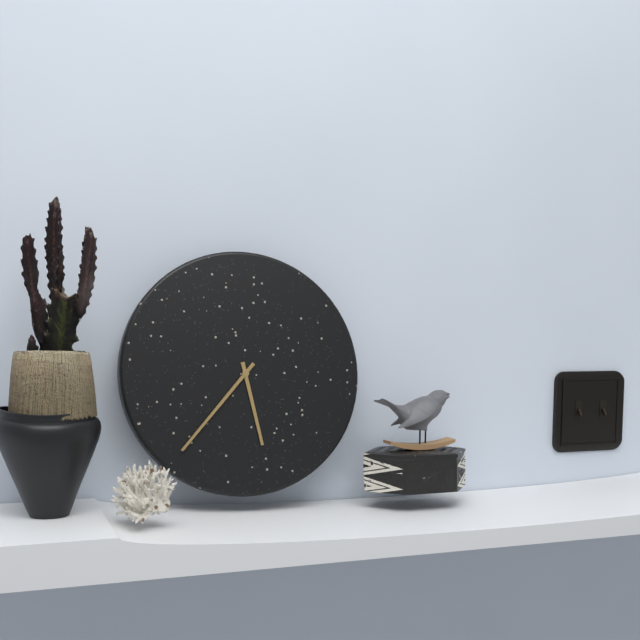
5:37
